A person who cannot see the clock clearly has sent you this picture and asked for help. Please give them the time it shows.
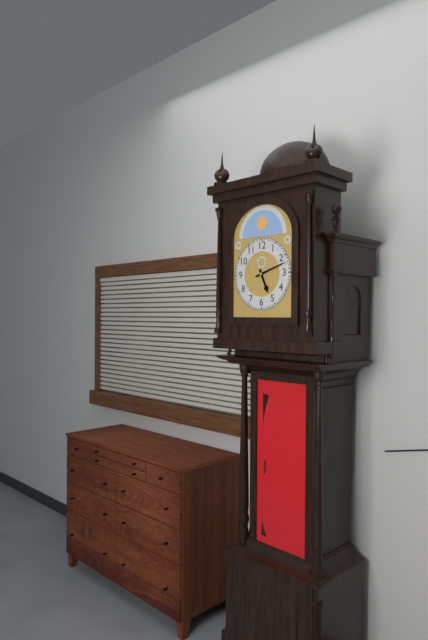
5:12
